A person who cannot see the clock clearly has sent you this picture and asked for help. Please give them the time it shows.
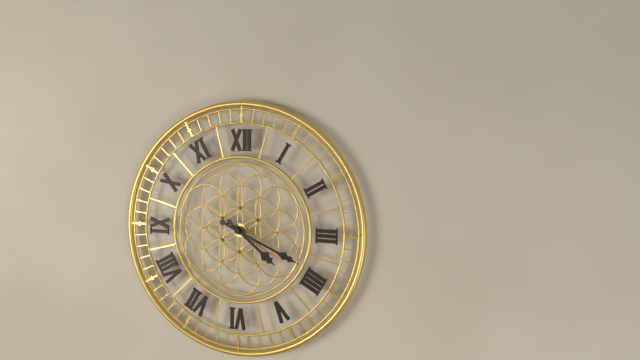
4:19
